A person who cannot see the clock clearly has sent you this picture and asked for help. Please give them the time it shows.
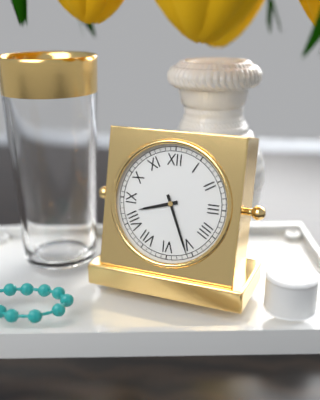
8:26
